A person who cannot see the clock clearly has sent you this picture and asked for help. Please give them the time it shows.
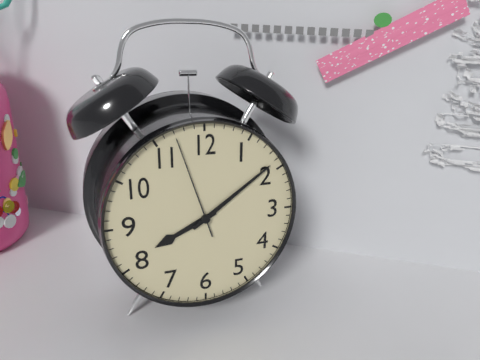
8:09:57
